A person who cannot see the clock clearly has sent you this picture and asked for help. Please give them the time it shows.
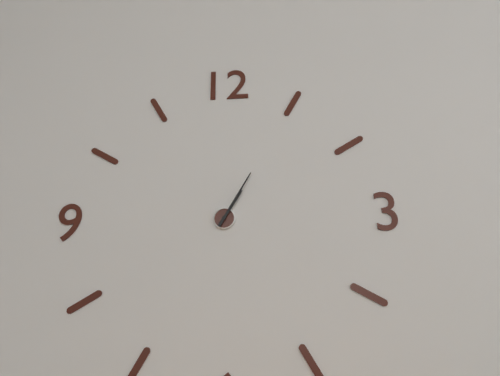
1:05
